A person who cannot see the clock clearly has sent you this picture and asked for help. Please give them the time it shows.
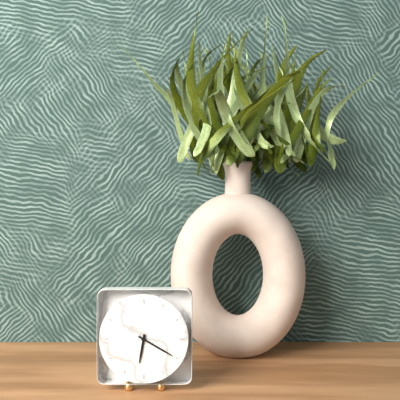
6:20
